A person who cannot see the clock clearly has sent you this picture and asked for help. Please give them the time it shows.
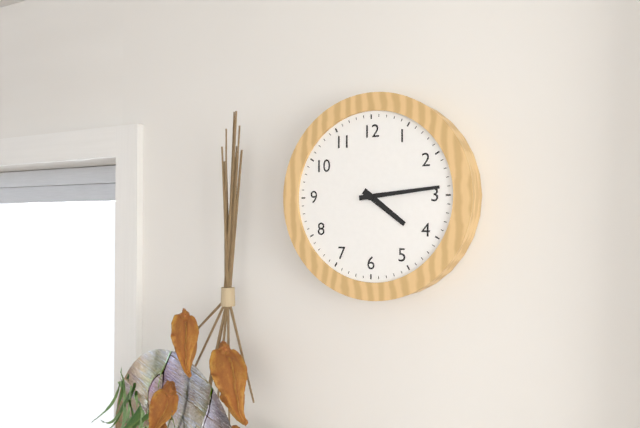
4:14
